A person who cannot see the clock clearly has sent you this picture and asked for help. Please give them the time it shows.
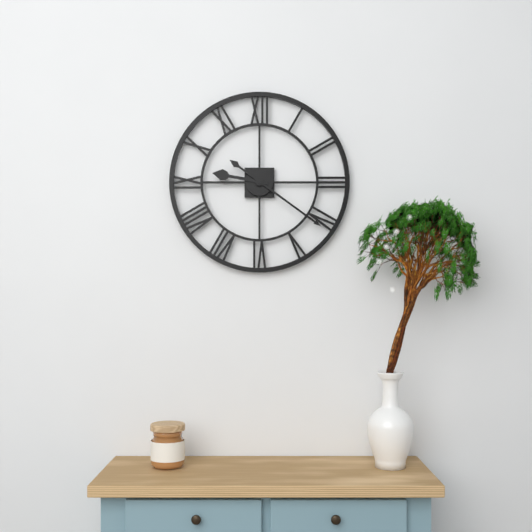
9:21
